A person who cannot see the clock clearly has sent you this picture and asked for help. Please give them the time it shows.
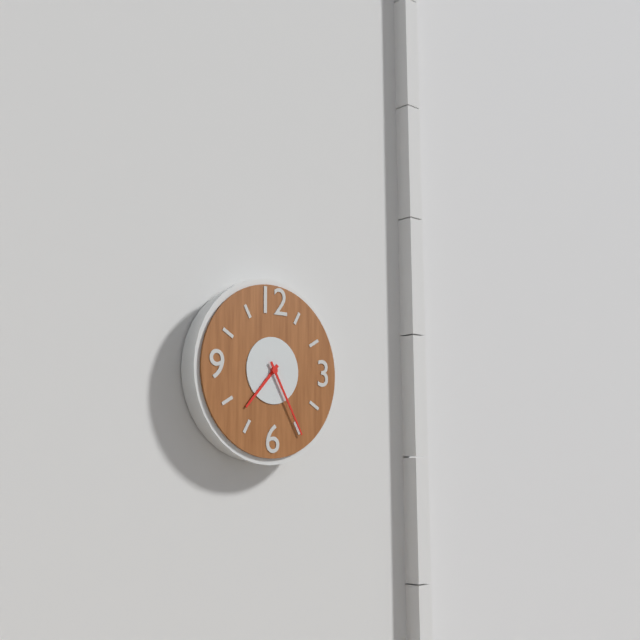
7:25
